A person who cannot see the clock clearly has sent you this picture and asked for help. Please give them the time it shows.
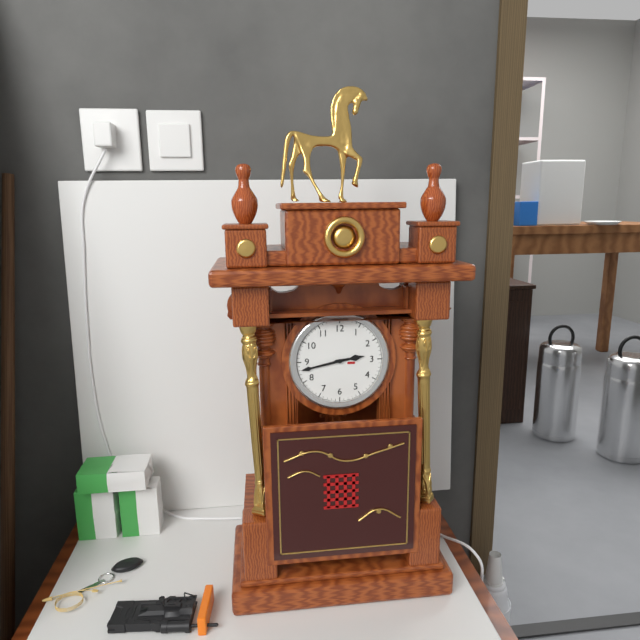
2:43
